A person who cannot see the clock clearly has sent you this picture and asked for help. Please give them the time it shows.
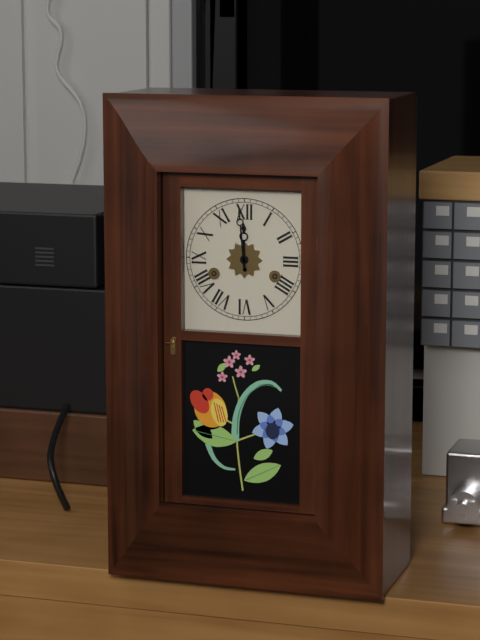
11:59
